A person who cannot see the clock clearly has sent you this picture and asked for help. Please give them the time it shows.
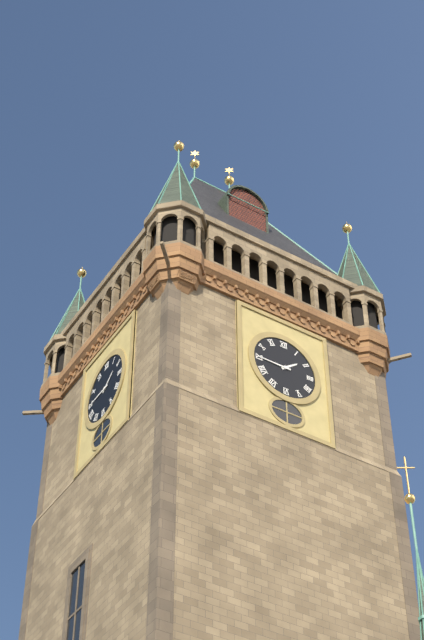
1:45
